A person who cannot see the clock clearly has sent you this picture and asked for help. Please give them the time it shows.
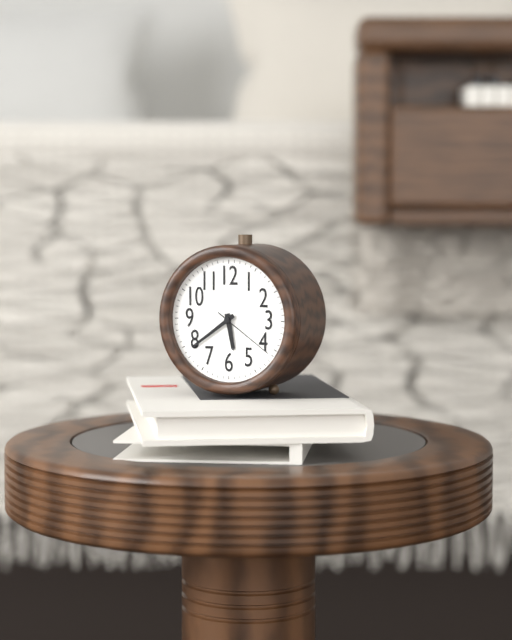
5:39:21
